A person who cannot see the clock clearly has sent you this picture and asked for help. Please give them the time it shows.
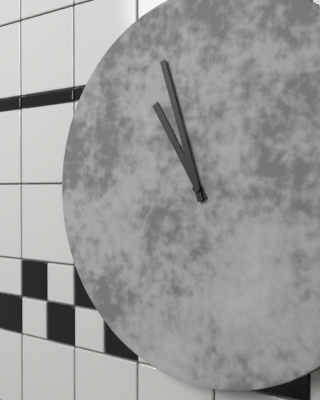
10:57
